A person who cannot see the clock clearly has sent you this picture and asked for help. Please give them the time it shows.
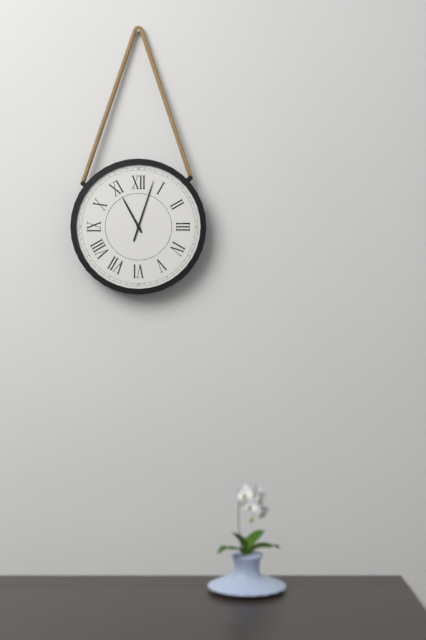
11:03
